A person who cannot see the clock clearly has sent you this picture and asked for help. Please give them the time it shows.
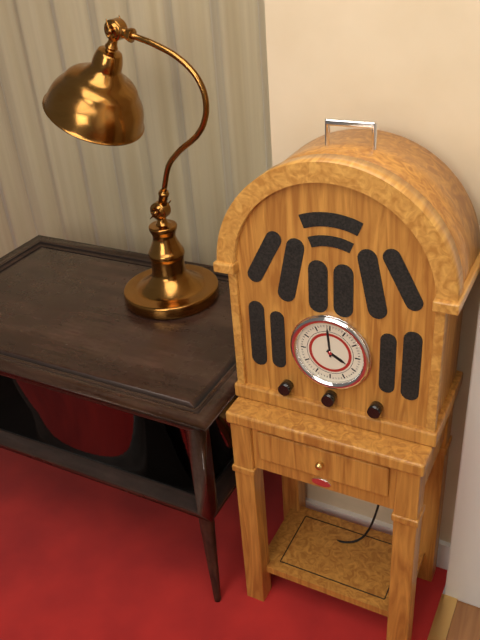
3:59
